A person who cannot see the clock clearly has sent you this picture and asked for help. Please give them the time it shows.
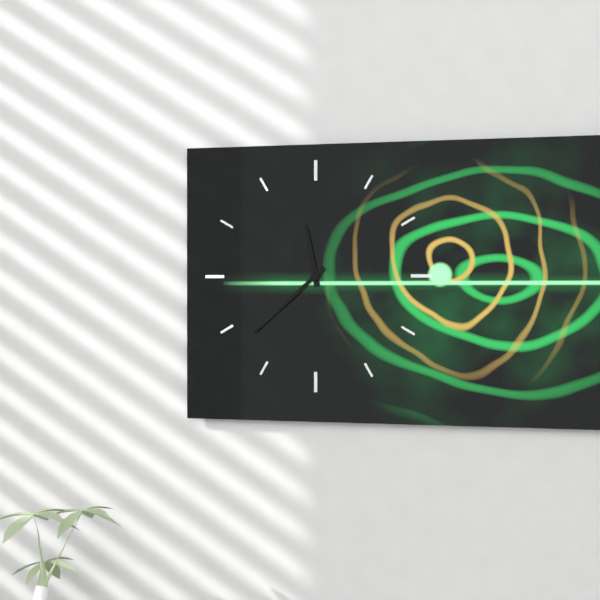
11:38
